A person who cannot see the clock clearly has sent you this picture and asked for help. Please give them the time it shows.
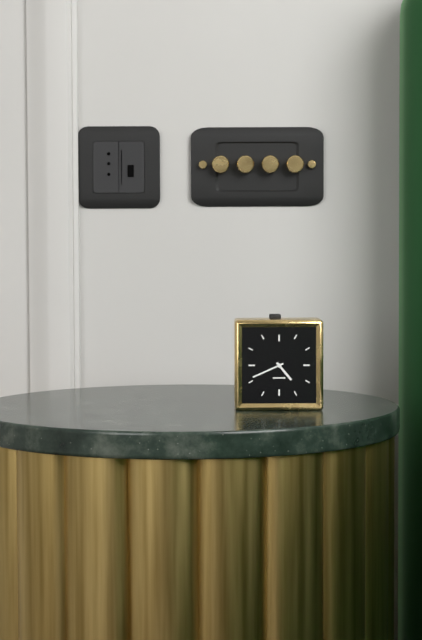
4:41
